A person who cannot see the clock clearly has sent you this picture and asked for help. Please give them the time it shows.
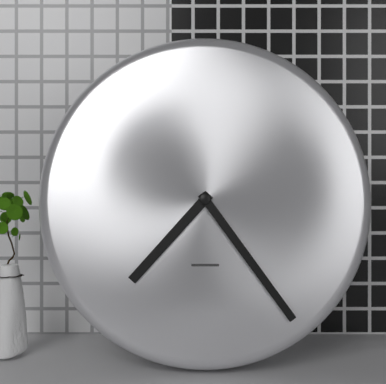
7:24
